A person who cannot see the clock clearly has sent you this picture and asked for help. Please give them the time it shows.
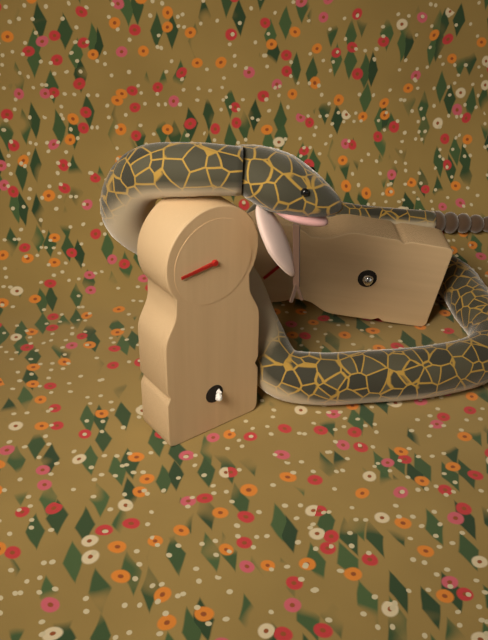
8:44
